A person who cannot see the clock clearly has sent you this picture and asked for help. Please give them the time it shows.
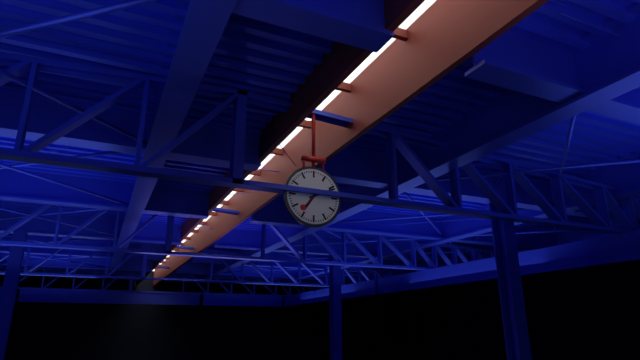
7:11
